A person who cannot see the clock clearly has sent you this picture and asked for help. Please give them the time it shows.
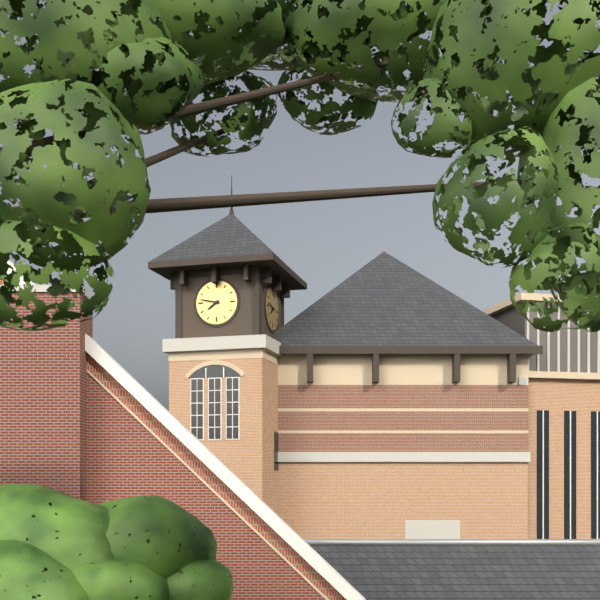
7:47
